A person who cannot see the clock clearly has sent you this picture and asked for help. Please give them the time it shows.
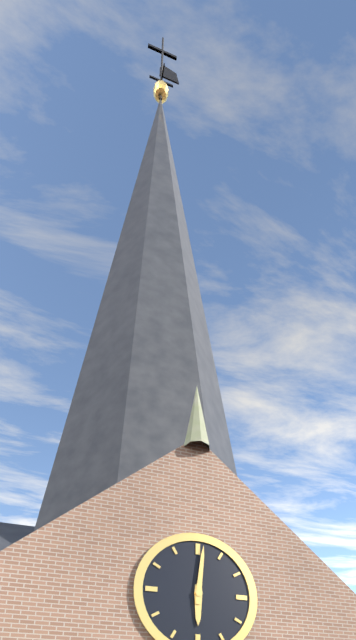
6:01
